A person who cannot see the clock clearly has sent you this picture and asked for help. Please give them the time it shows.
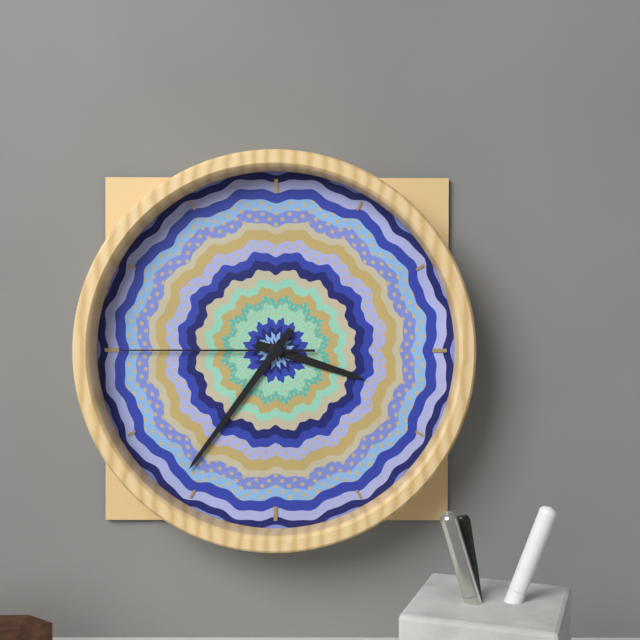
3:36:45
